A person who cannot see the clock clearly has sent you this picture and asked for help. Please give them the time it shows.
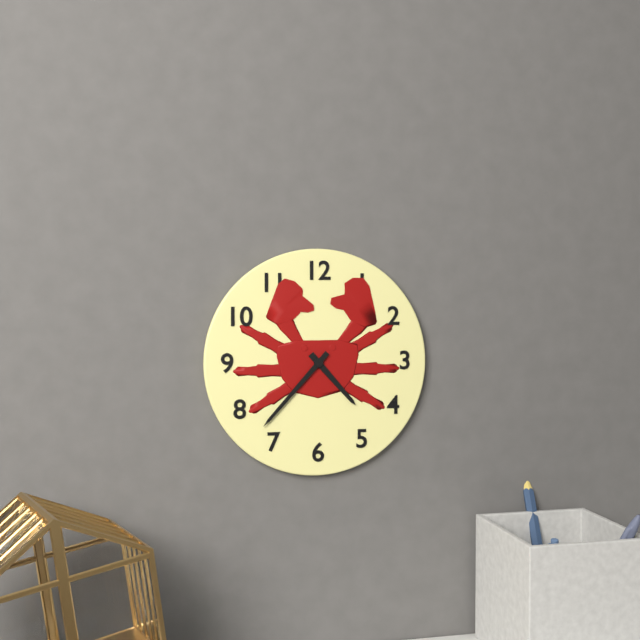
4:37
